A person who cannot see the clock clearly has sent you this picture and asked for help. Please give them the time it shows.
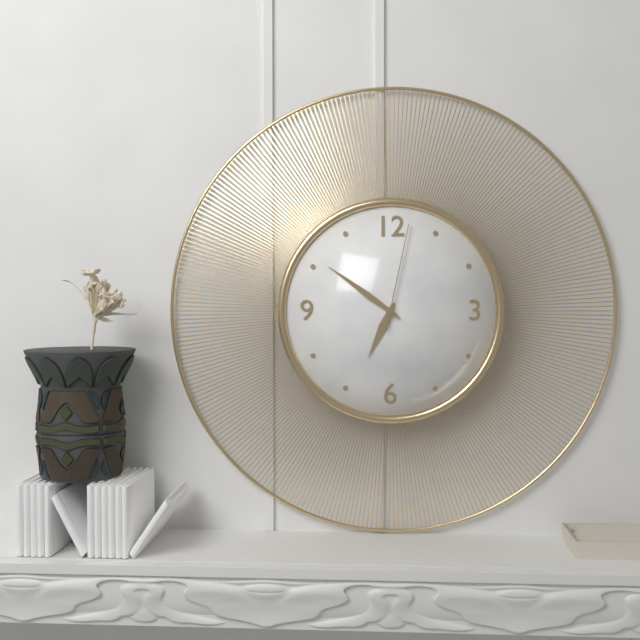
6:51:02
